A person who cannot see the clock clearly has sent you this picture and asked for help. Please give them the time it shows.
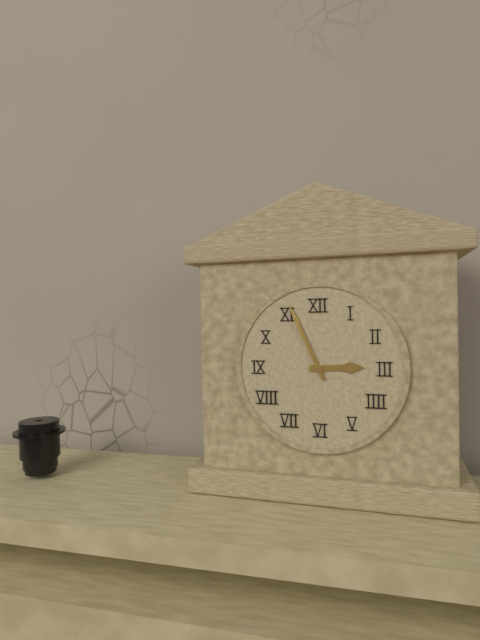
2:56
